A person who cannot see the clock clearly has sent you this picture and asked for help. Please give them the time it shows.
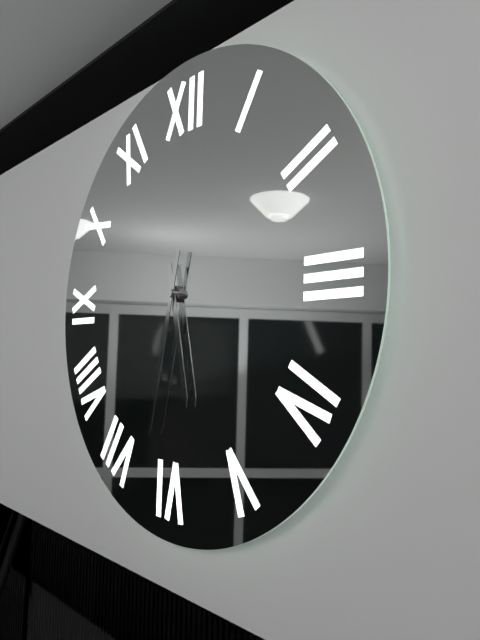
5:32
